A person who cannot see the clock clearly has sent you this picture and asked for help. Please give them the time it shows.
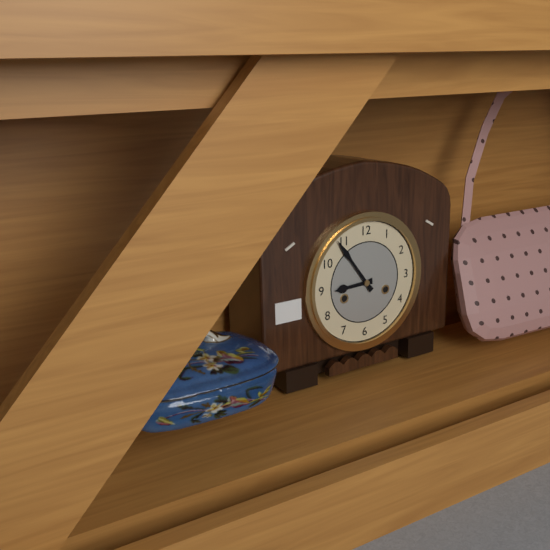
8:54
